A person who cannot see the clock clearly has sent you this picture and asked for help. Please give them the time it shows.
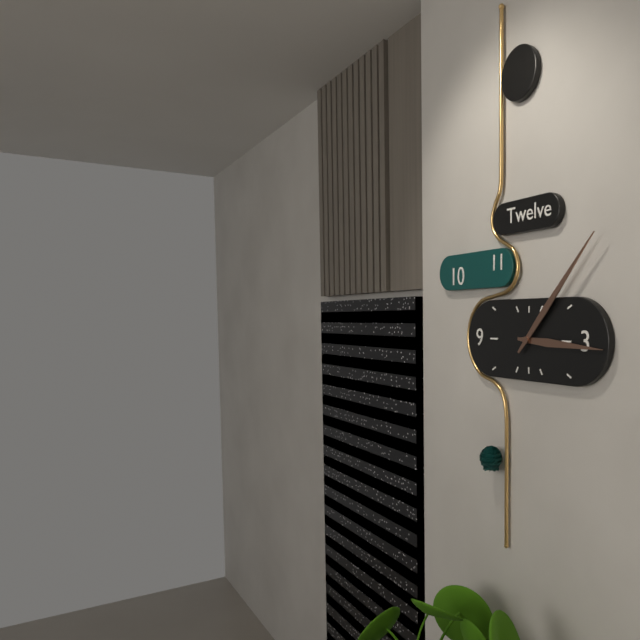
3:07
